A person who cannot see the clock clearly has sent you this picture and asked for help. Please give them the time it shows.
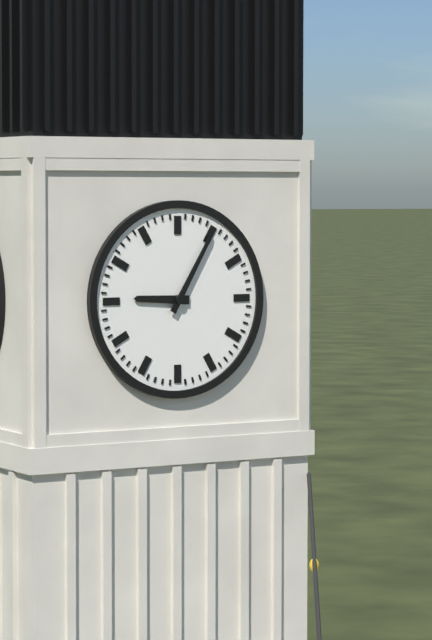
9:05
